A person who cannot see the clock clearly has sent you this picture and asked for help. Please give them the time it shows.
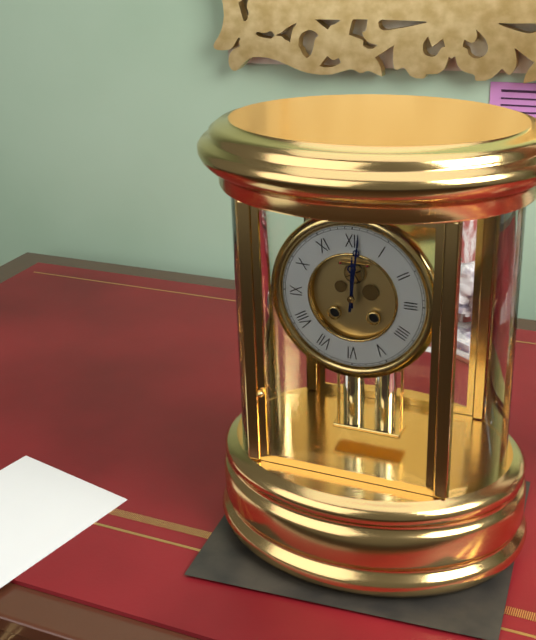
12:01
